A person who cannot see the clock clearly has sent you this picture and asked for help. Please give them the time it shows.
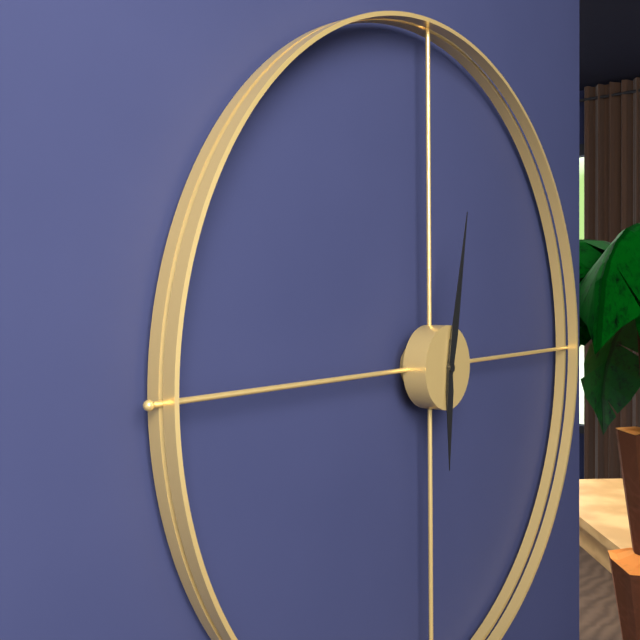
6:02
